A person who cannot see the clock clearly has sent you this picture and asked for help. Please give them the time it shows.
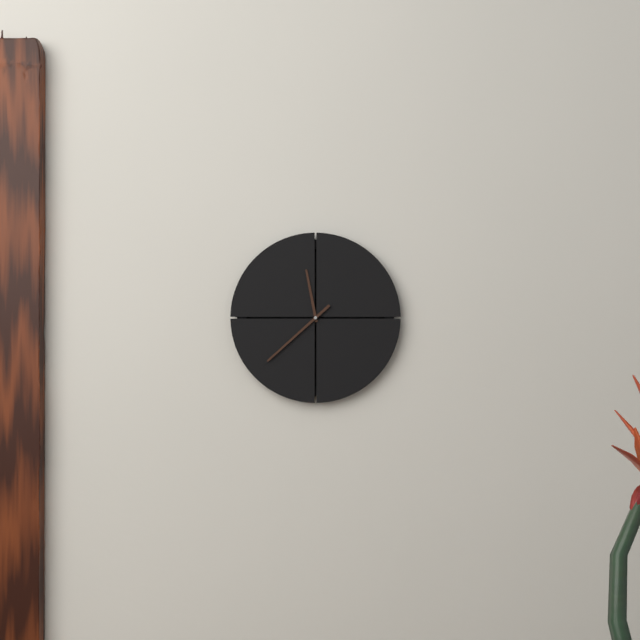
11:38
